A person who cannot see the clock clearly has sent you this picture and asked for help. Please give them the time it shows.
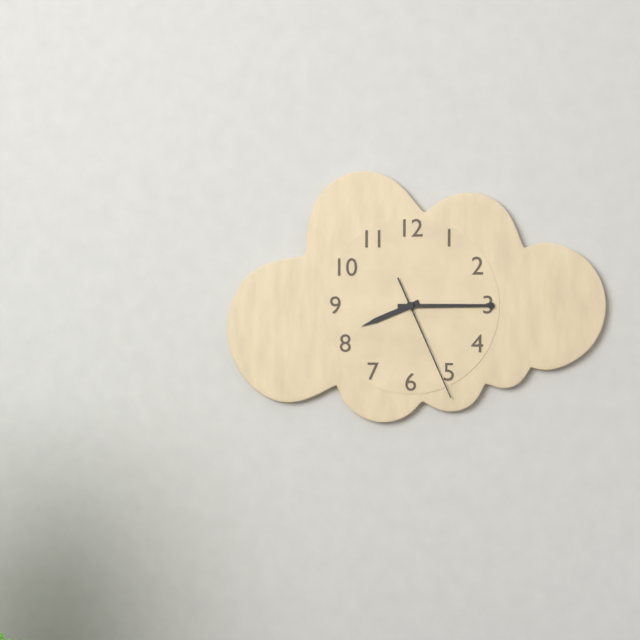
8:15:26
